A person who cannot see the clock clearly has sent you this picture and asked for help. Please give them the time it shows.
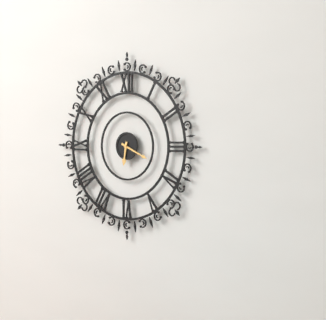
6:19
